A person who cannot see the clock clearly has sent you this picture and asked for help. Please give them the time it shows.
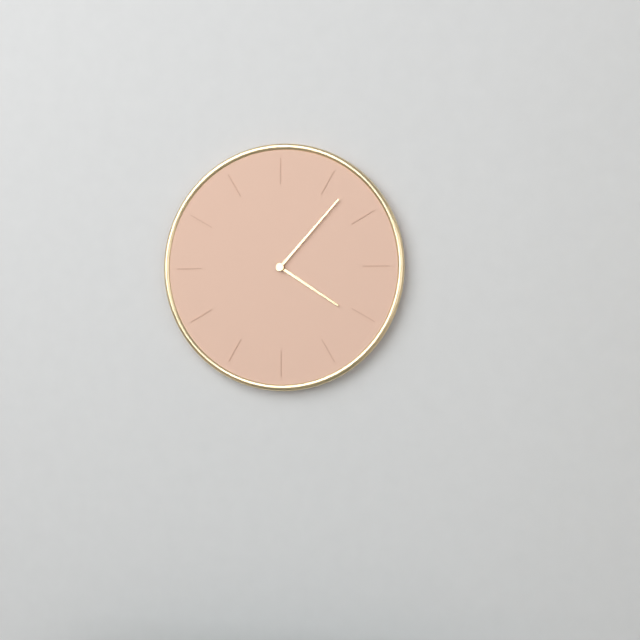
4:07
